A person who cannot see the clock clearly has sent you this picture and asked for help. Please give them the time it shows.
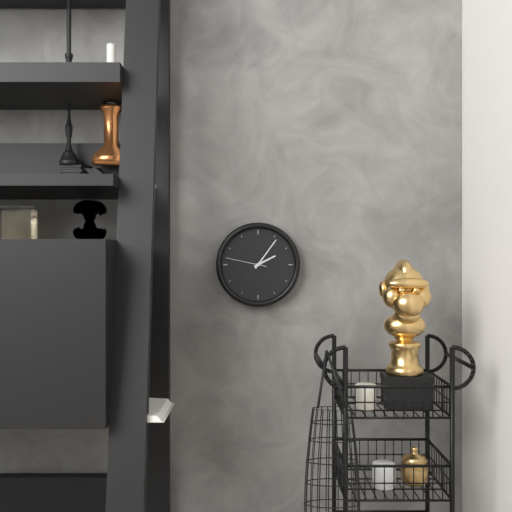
2:06
